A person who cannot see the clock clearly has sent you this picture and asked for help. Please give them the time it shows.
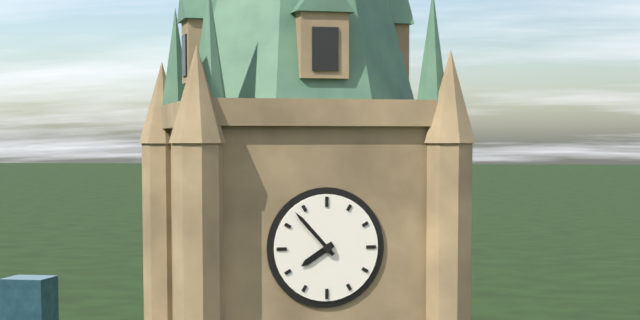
7:53
